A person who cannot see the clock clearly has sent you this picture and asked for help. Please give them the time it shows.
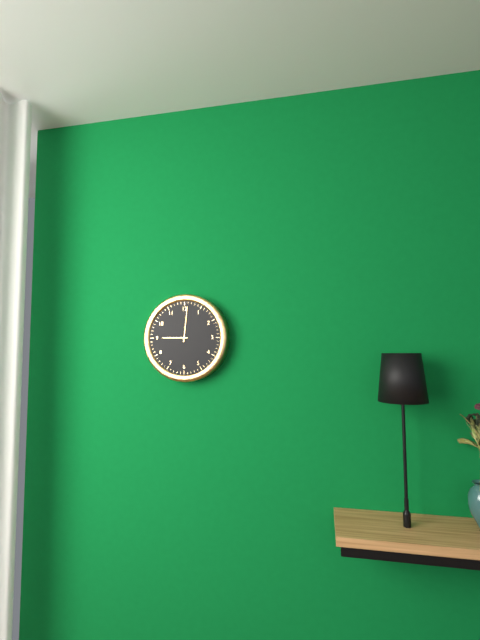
9:01
